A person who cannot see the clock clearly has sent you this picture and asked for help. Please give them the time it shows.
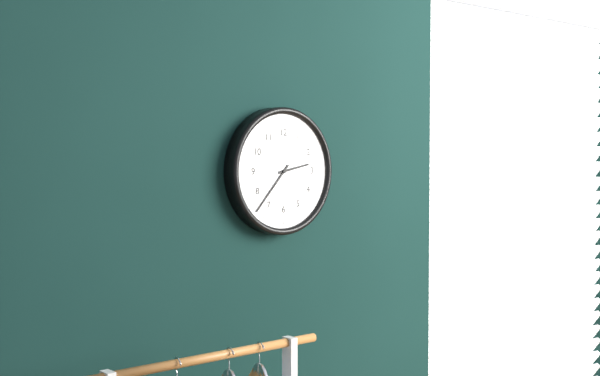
2:37
